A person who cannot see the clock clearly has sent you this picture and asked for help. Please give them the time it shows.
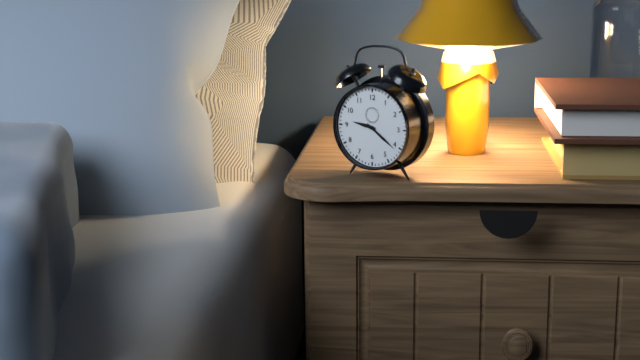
9:21
